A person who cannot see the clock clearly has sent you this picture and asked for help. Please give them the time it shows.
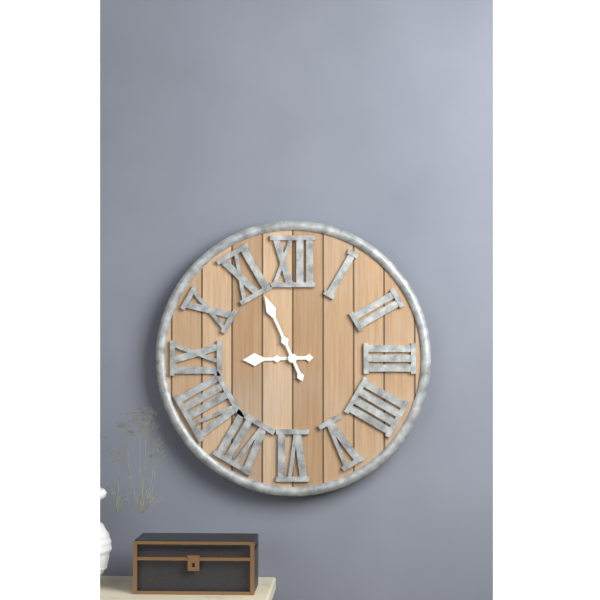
8:56
